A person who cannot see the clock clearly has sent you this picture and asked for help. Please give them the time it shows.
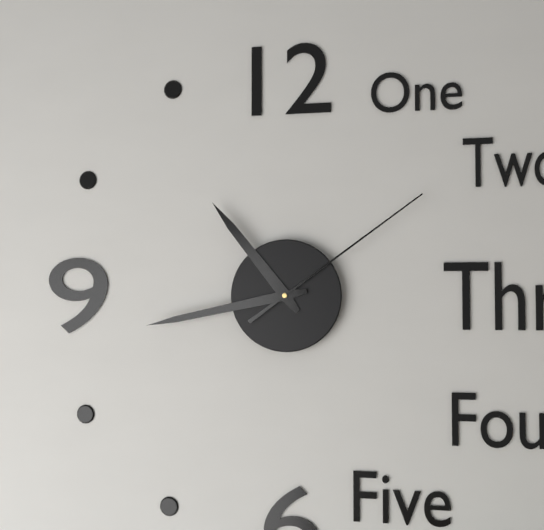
10:43:09
